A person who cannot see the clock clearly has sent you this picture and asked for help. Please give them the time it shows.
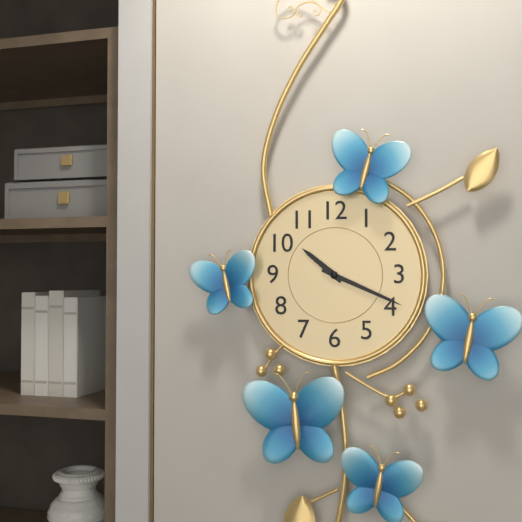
10:19
